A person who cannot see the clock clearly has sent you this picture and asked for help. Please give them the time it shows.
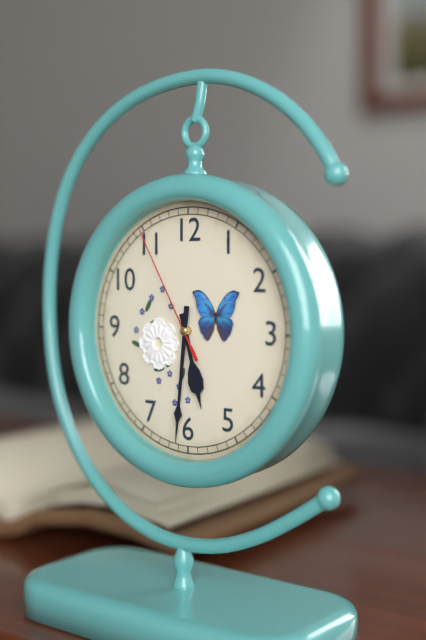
5:31:55
